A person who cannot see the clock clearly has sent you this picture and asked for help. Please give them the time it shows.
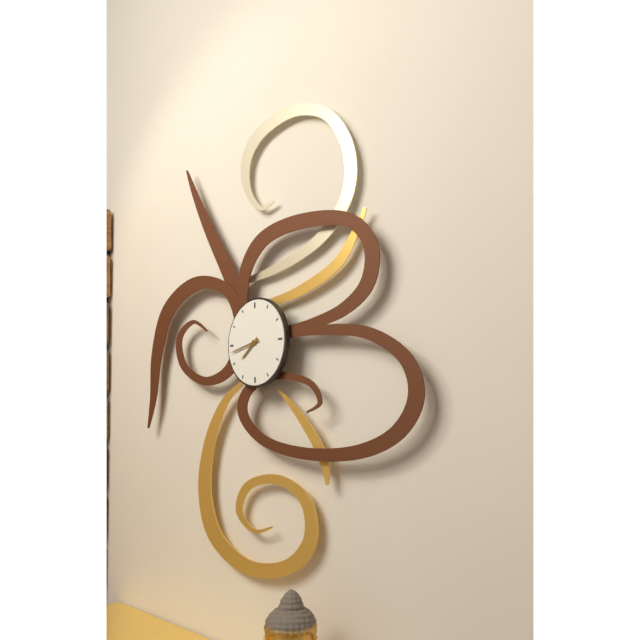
7:43
